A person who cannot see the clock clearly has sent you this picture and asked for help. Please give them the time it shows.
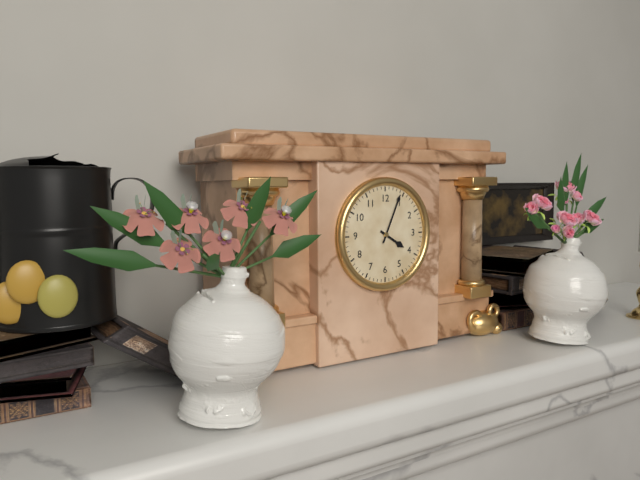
4:04
